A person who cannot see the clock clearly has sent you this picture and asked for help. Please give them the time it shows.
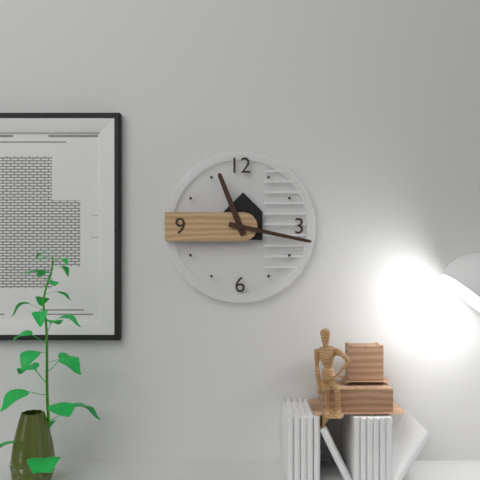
11:17
